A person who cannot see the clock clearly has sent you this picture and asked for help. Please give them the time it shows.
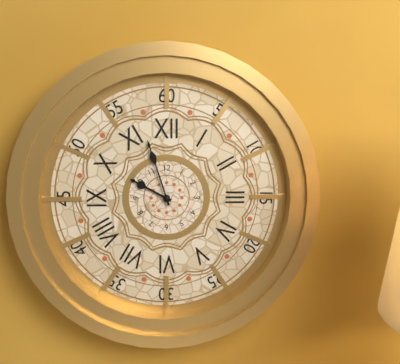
9:57
